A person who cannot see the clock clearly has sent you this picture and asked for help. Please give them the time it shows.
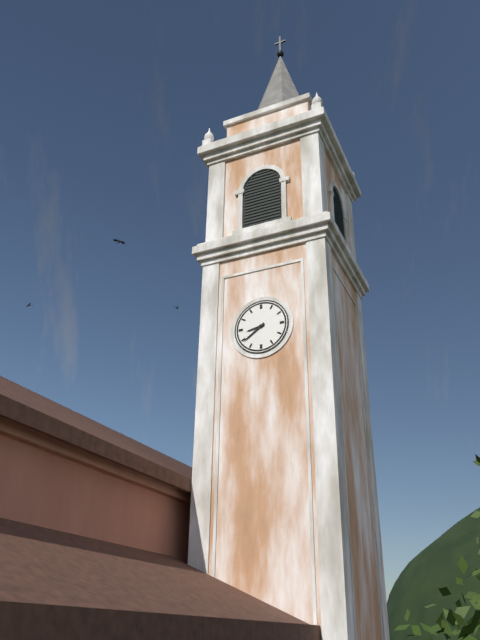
8:39
